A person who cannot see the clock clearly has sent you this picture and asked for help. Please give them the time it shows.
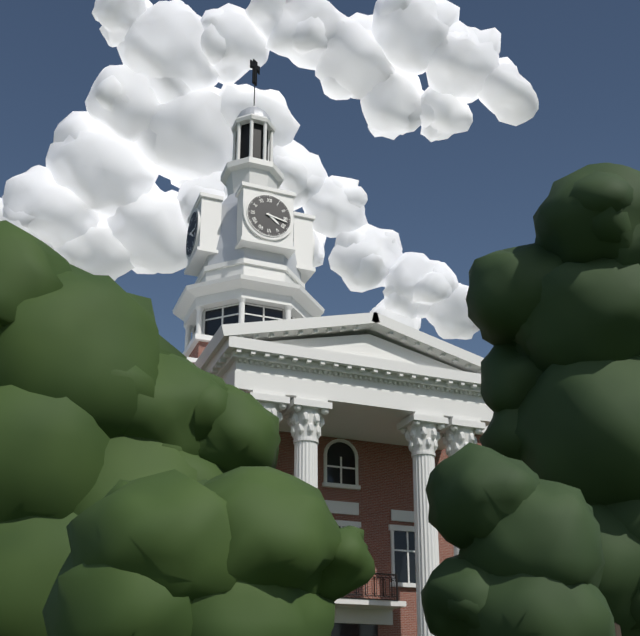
4:17
